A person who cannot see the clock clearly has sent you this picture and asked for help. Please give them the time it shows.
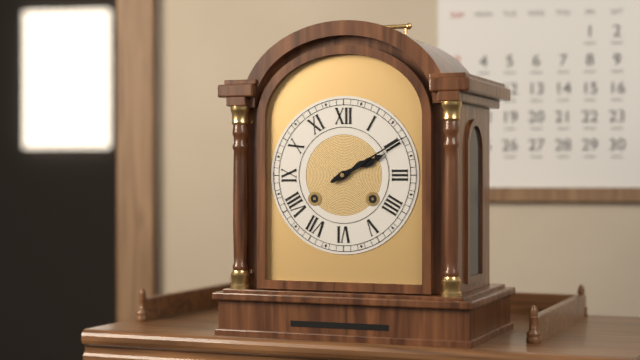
2:10
